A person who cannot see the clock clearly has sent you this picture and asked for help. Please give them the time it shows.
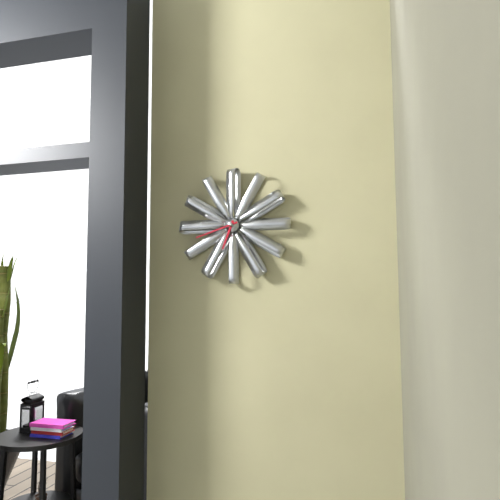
6:42
